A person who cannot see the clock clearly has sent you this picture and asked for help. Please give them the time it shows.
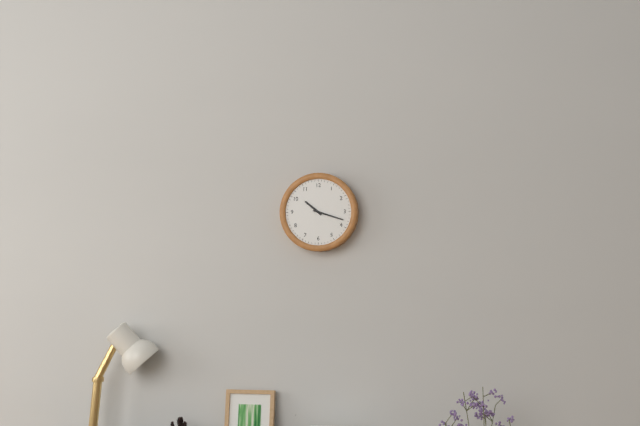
10:18
